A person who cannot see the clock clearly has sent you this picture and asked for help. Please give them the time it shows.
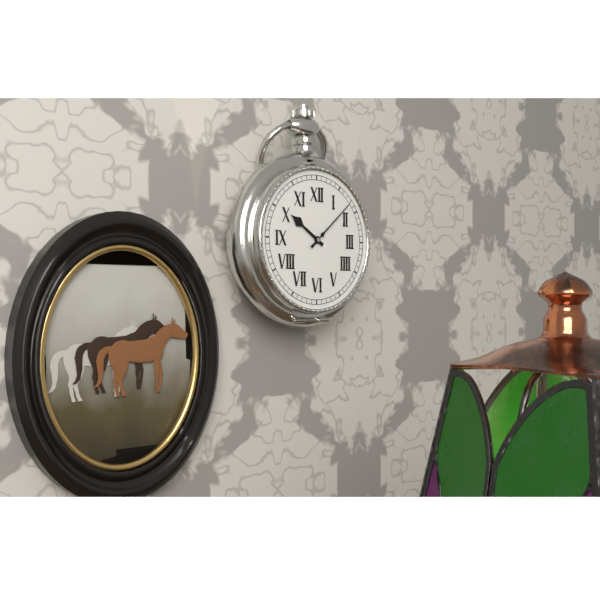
10:08
